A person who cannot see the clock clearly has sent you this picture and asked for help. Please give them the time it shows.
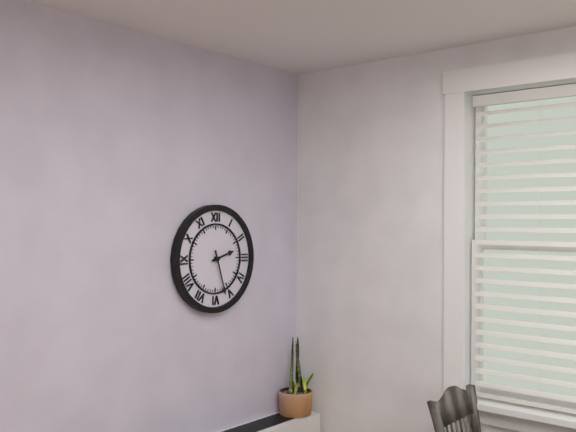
2:27
